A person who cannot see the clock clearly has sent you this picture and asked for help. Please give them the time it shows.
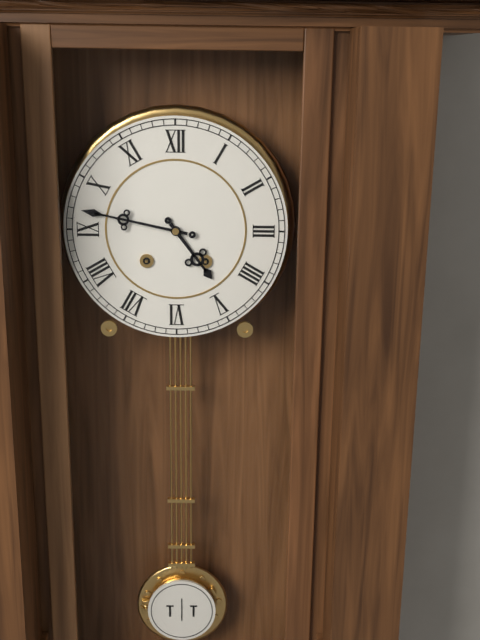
4:47
